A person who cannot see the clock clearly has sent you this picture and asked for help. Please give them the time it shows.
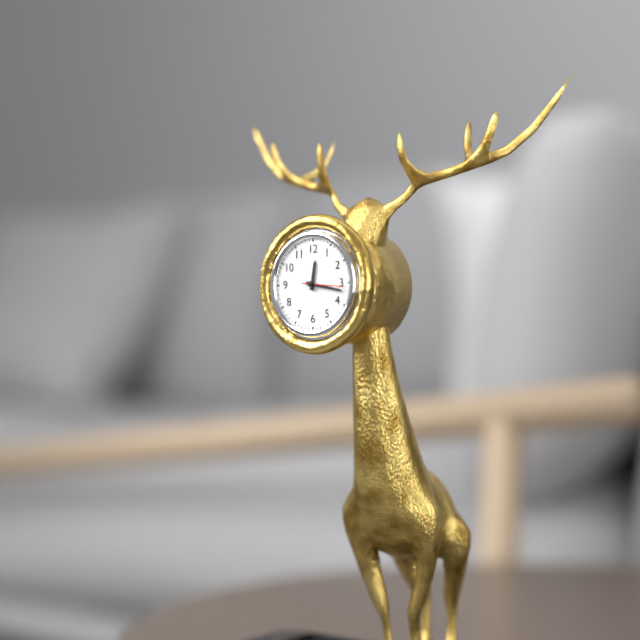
12:17
